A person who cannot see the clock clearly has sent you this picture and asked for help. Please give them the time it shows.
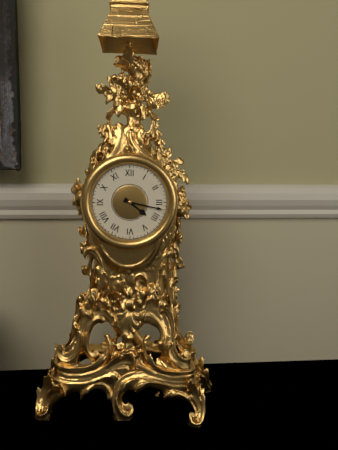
4:17
